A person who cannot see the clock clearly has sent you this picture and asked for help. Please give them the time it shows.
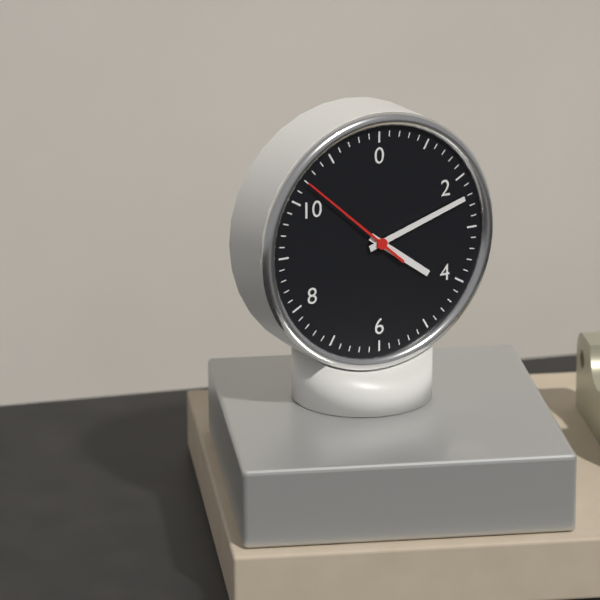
4:12:52
